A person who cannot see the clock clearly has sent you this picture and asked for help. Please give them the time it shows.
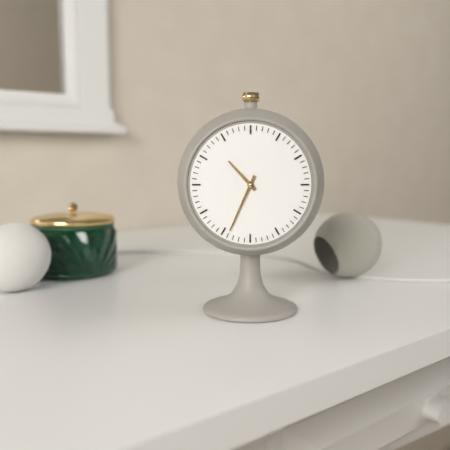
10:34
